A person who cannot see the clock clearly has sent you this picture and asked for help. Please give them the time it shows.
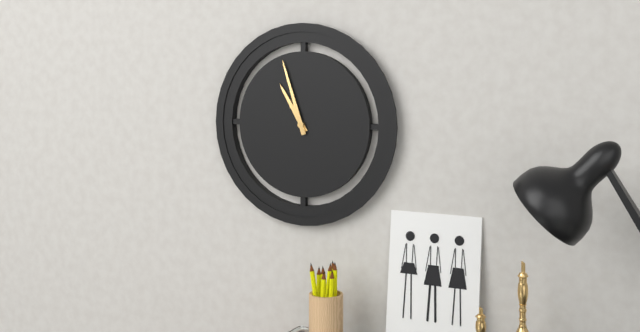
10:57
